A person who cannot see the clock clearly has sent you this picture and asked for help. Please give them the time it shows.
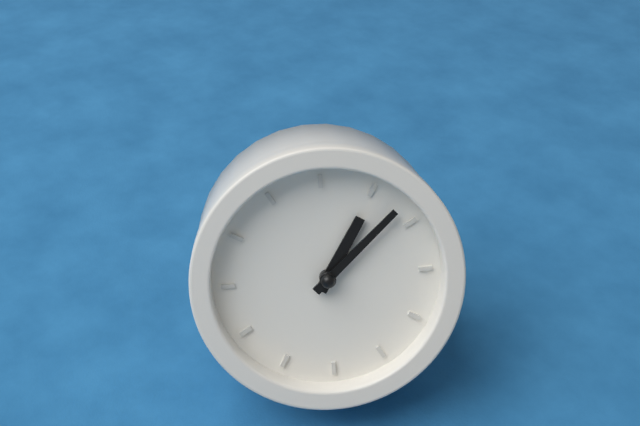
12:03
